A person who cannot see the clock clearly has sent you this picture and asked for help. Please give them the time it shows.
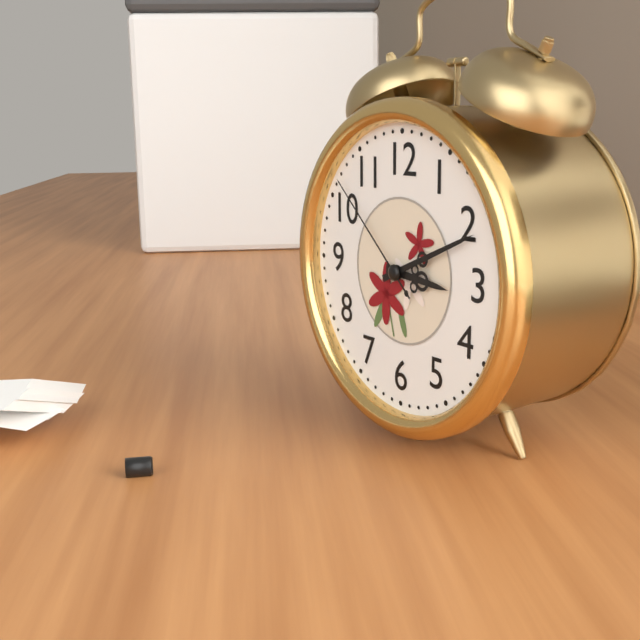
3:11:52
